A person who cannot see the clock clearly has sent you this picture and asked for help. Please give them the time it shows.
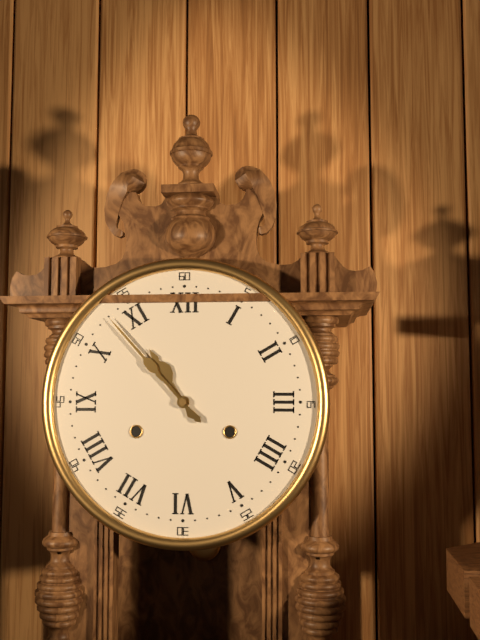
10:53
